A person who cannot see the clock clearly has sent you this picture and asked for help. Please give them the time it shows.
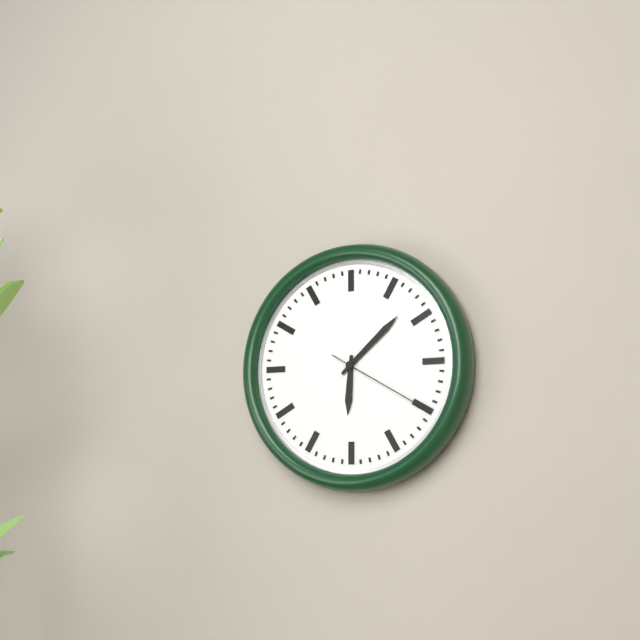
6:08:20
